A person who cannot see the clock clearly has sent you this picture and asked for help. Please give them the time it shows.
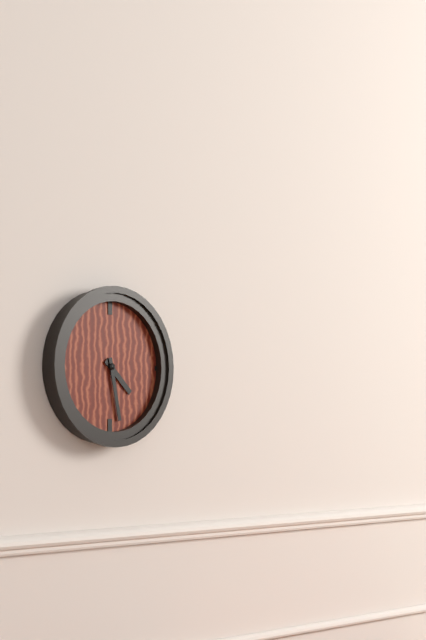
4:28
